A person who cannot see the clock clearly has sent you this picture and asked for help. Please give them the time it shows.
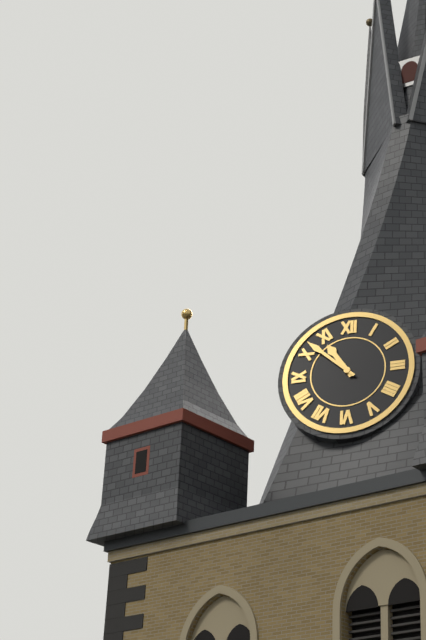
10:52
